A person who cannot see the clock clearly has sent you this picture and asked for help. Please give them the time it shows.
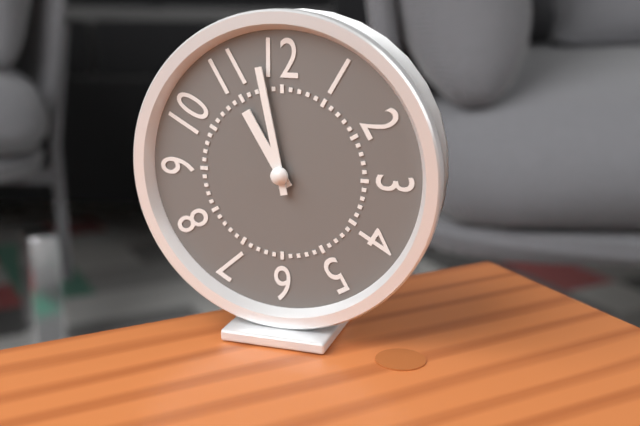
10:58
